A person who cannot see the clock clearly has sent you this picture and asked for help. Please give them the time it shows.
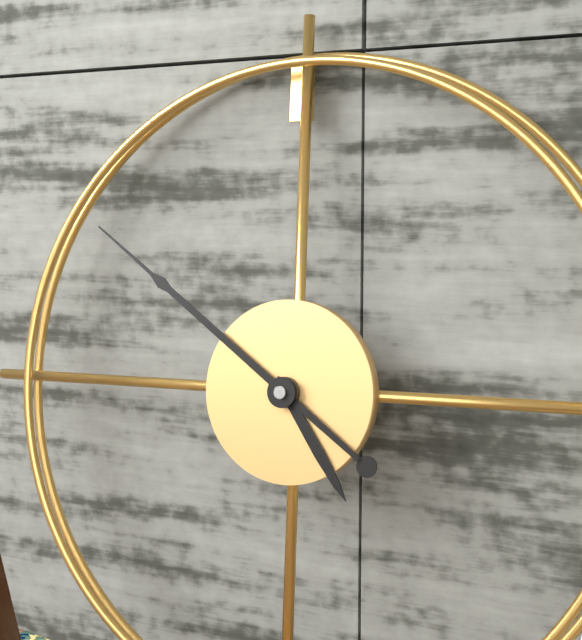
4:51
